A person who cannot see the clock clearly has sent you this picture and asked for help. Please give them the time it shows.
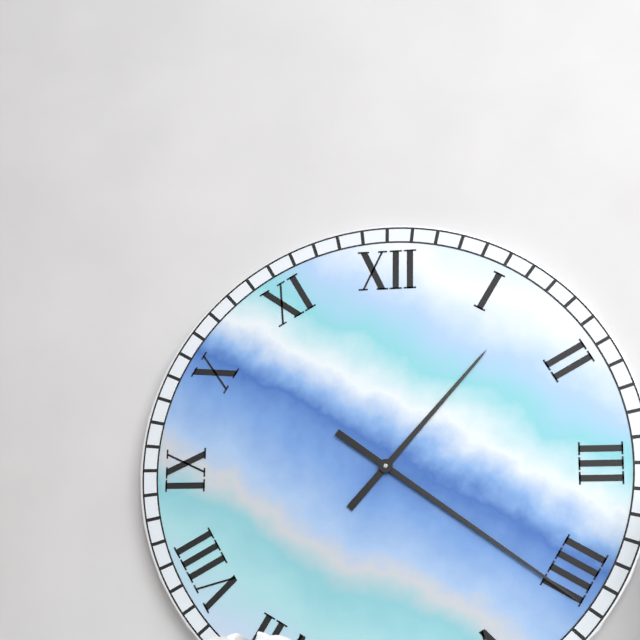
1:21
